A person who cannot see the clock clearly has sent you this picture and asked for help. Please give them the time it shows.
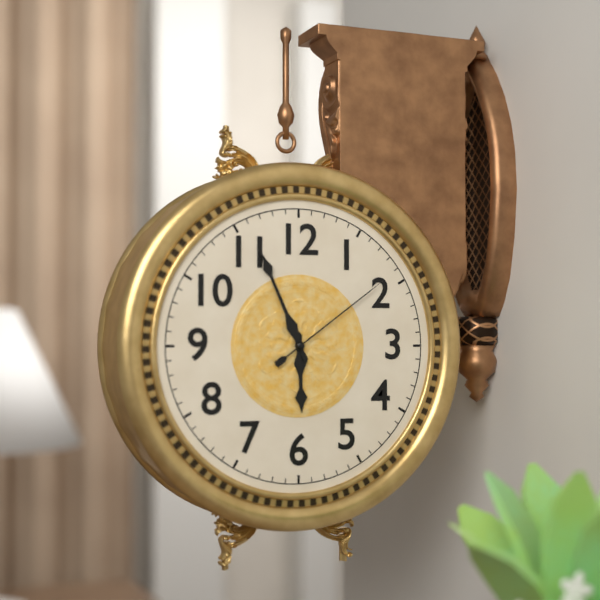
5:56:09
